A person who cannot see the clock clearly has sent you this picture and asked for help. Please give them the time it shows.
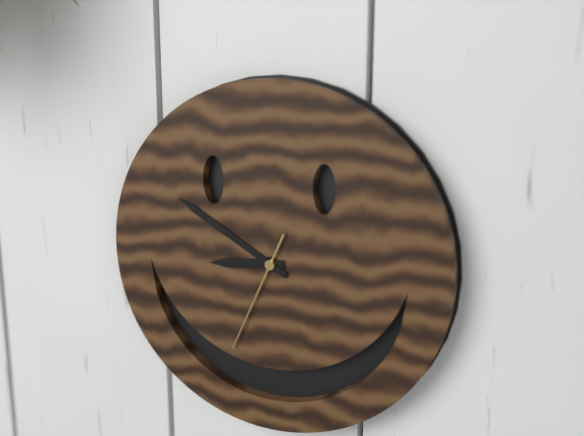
8:50:34
